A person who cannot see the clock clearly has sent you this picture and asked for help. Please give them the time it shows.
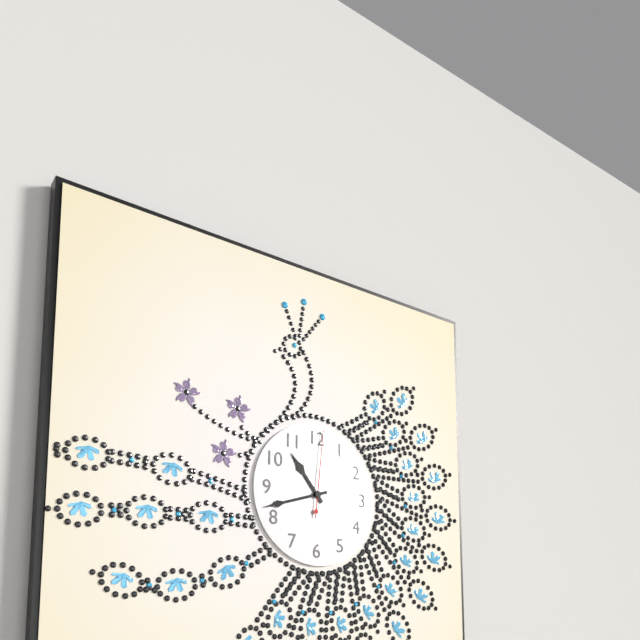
10:42:01
